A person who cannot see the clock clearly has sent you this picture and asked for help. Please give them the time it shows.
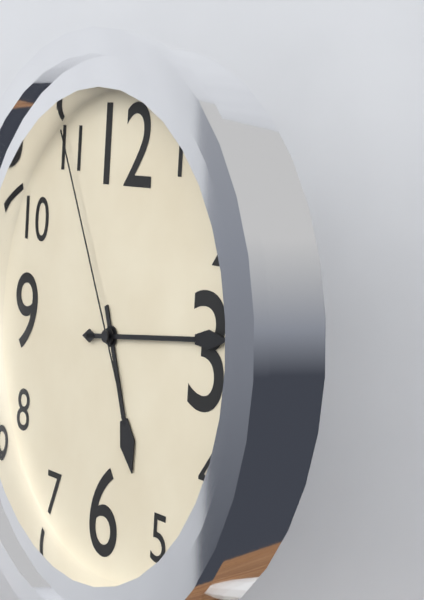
5:14:55
